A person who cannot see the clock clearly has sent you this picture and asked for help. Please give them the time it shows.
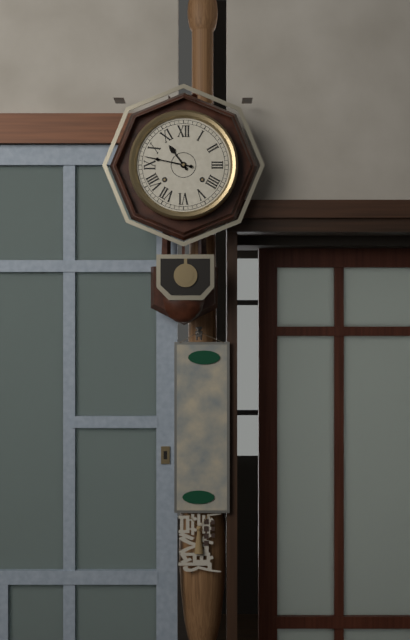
10:47
